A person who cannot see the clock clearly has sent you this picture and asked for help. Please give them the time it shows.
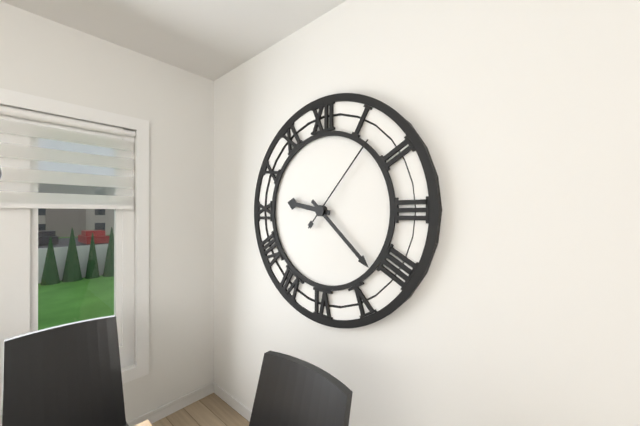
9:22:07
